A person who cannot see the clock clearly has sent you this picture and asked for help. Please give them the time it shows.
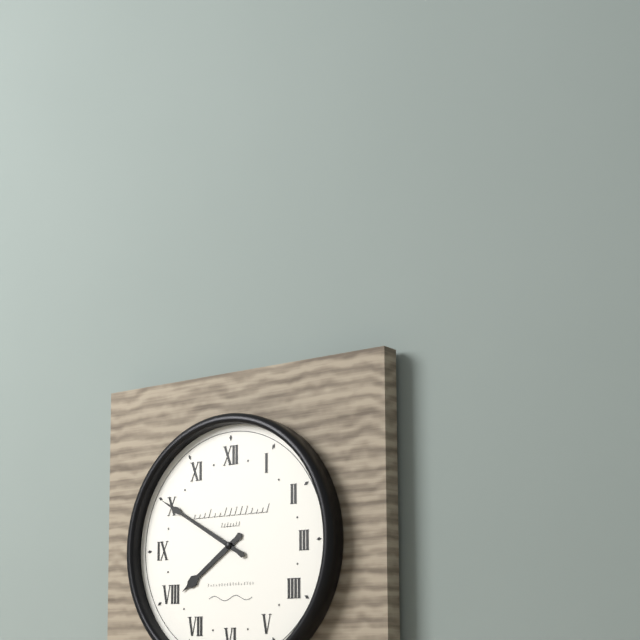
7:50
